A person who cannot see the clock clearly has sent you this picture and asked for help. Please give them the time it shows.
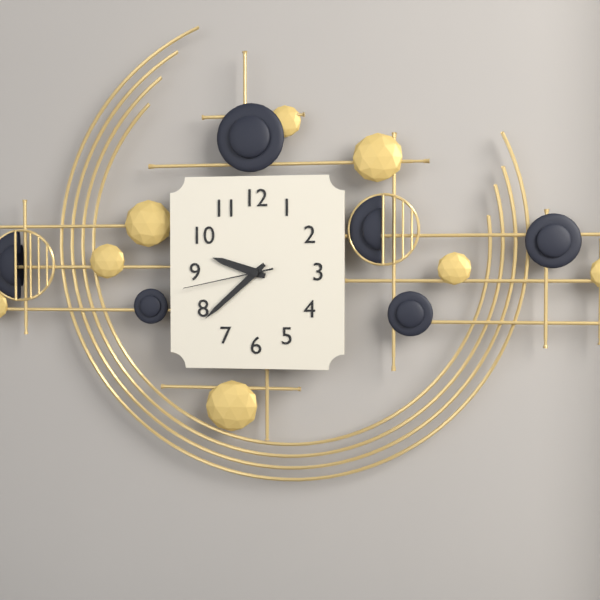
9:38:43
